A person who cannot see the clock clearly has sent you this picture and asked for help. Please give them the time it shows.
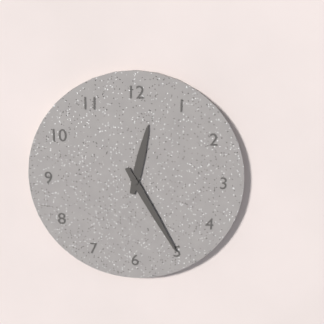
12:25
